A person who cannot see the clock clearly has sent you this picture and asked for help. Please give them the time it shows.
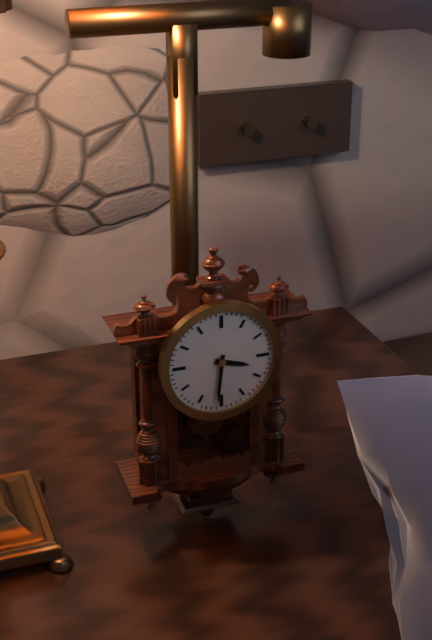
3:31
